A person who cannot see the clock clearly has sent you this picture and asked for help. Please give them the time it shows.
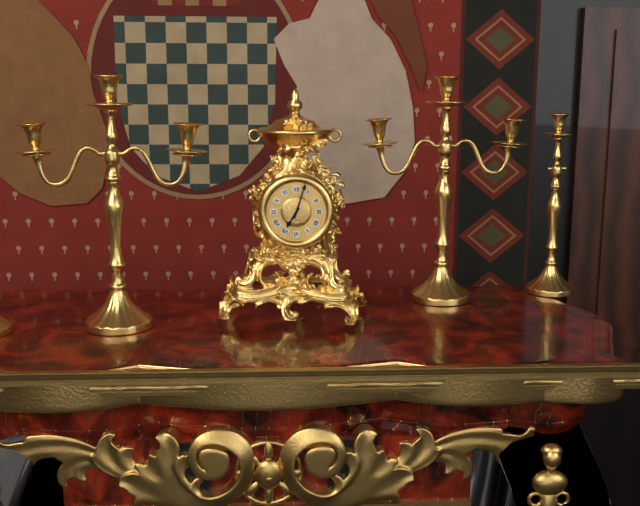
7:03
